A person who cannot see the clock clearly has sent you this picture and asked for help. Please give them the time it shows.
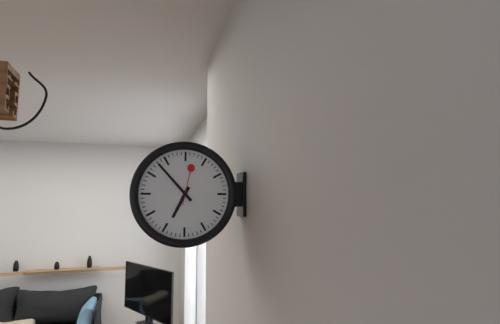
6:53
